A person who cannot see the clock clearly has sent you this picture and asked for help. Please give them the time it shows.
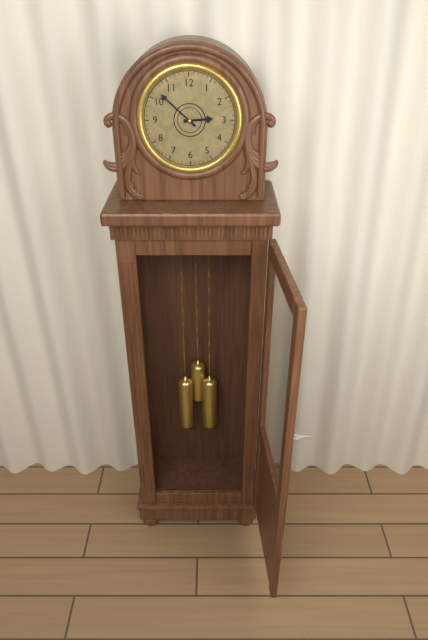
2:52
